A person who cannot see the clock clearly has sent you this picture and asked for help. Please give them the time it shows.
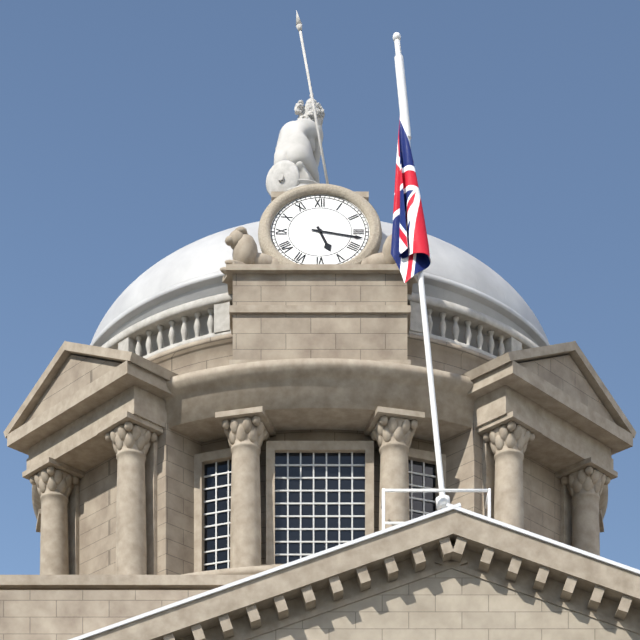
5:17
